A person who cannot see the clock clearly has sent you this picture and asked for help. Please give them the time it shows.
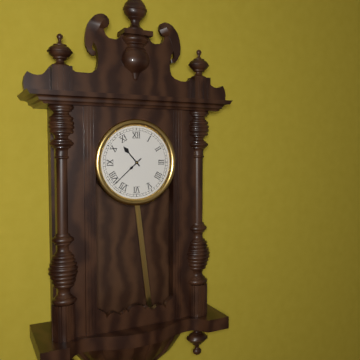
10:38
